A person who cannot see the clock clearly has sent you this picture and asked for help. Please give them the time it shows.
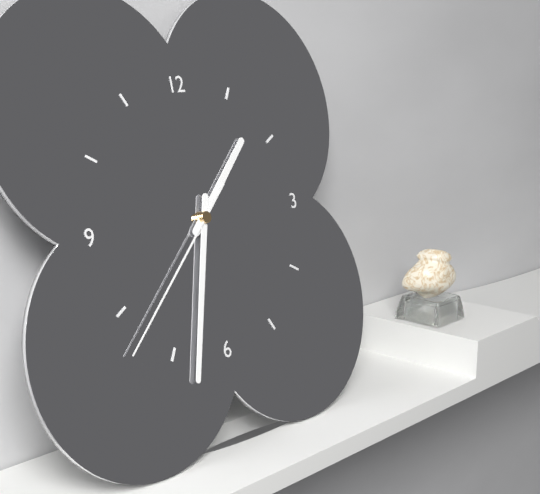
1:33:38
